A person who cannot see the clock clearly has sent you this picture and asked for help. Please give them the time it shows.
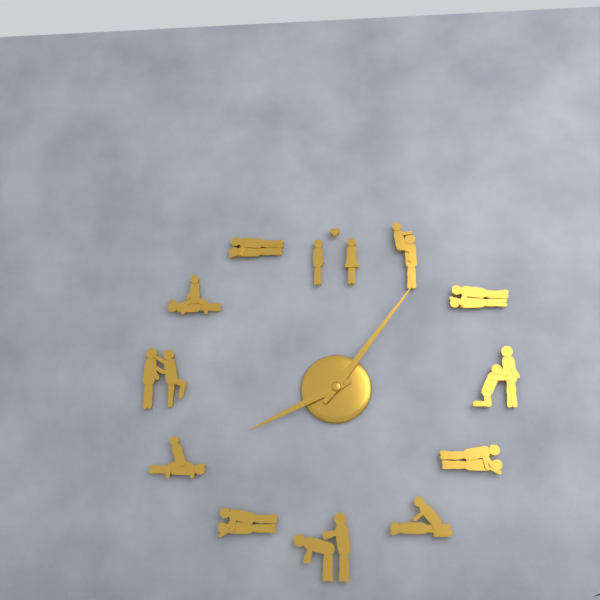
8:06
